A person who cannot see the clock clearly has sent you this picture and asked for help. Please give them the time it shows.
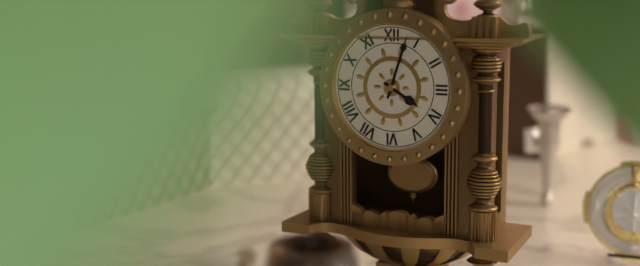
4:03
